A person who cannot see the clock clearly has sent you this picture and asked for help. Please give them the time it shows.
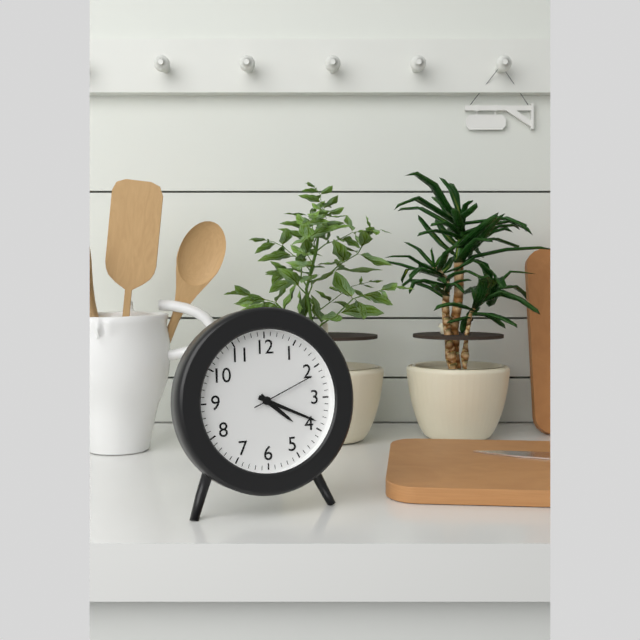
4:19:11
